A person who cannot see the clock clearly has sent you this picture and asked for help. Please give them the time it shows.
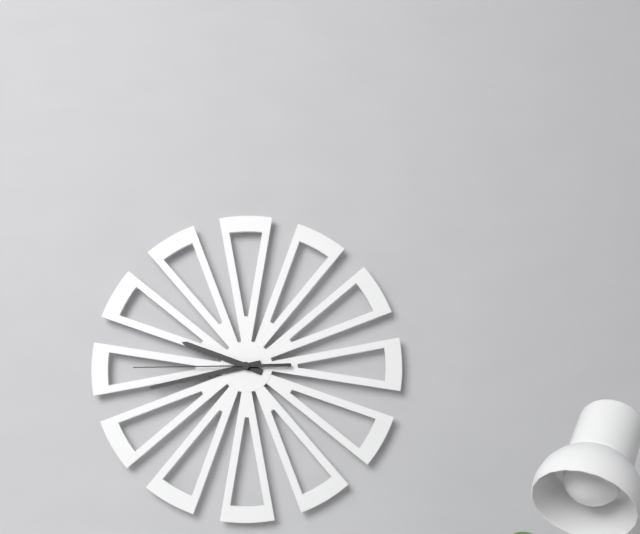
9:43:45
